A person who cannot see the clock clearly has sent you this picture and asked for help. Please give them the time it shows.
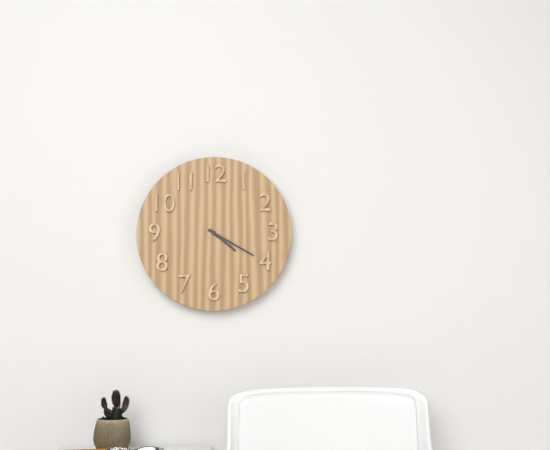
4:20
